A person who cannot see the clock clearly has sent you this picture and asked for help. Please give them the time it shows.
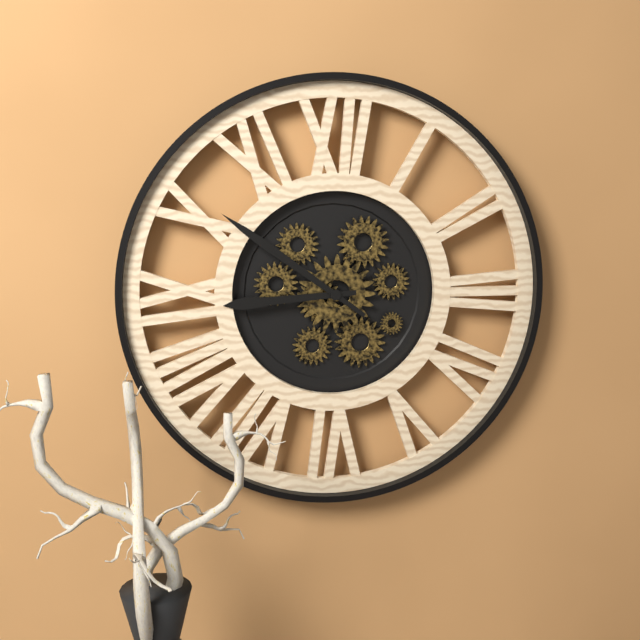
8:51
